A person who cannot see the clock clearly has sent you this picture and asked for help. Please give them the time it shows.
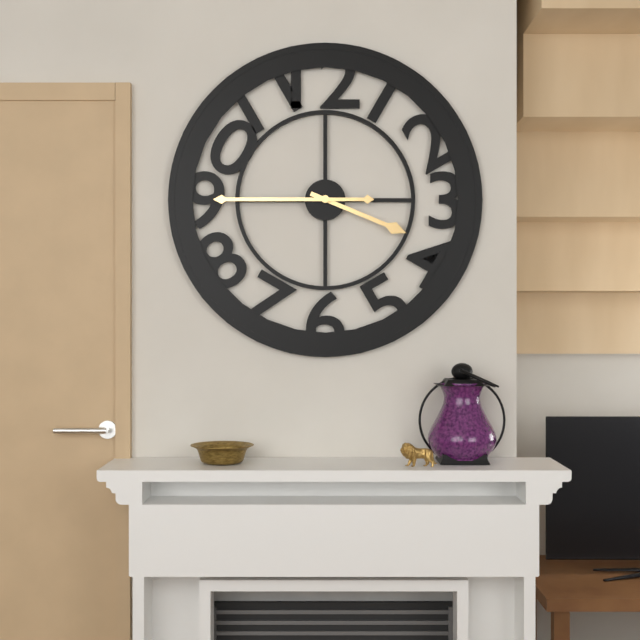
3:45
